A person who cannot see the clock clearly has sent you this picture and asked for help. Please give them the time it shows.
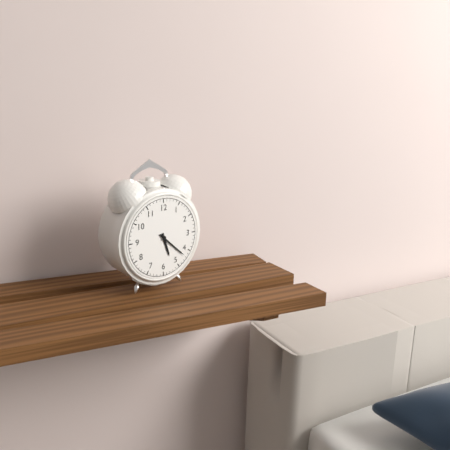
5:22
